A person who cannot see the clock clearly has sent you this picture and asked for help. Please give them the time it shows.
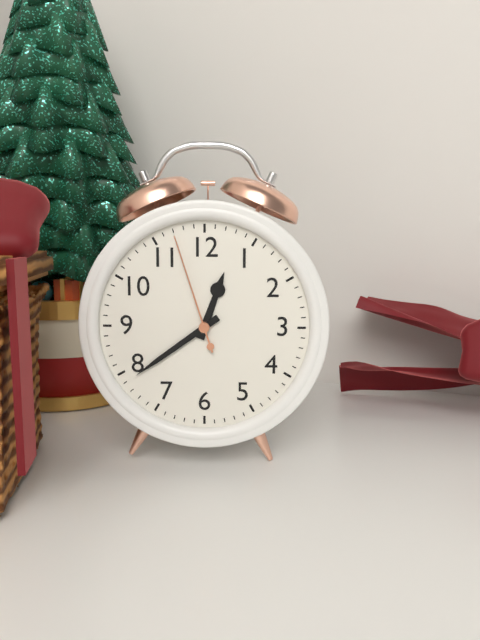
12:39:57
